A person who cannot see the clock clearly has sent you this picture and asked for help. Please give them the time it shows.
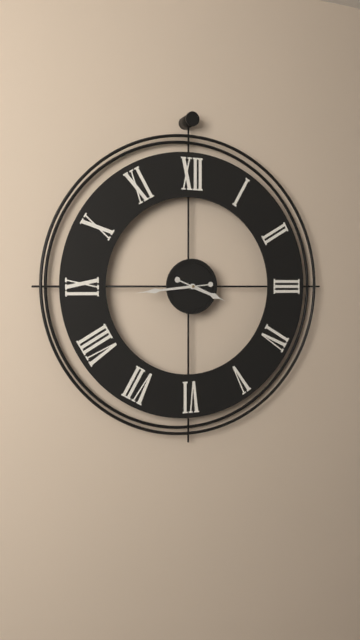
3:44
